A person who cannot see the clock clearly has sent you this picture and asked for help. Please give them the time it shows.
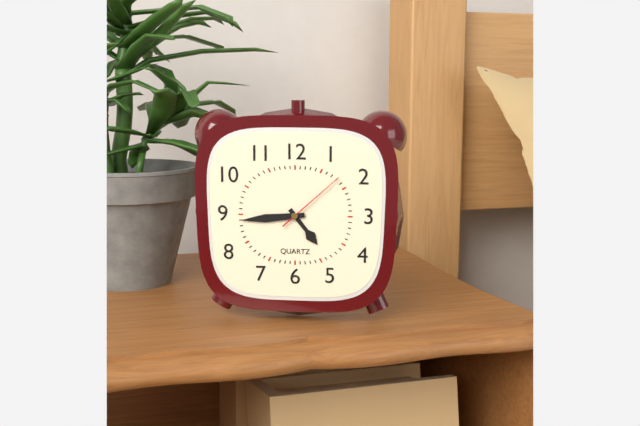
4:44:08
